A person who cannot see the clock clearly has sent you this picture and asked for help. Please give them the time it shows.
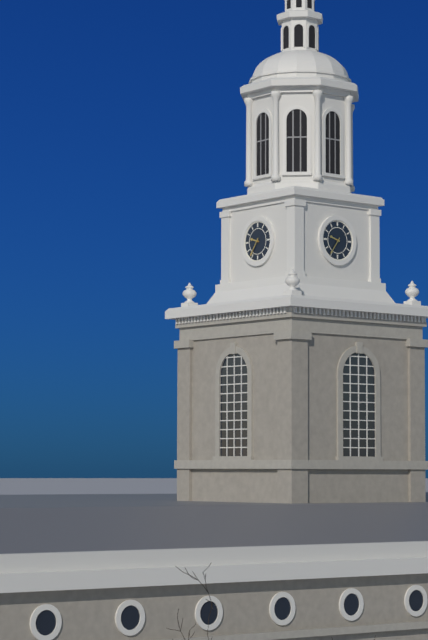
9:36
